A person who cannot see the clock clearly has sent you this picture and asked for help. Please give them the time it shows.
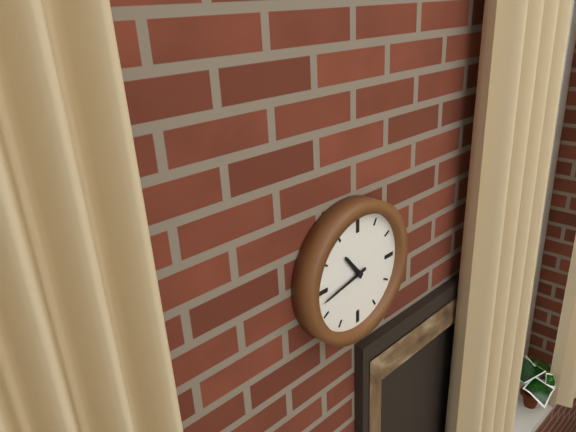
10:43
